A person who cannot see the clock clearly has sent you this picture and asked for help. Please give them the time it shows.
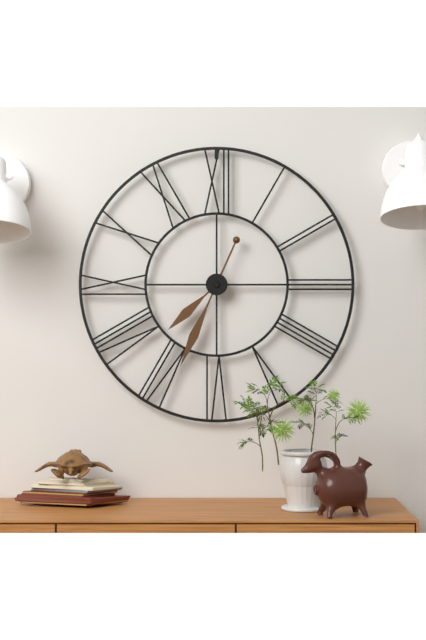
7:34
